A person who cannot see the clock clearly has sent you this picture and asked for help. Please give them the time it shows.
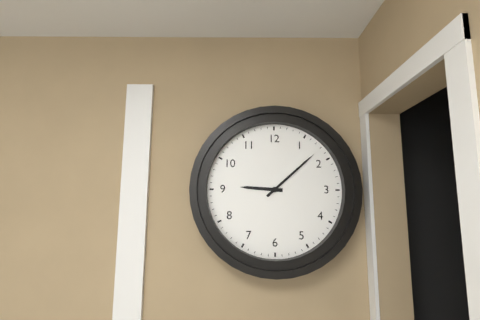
9:08
